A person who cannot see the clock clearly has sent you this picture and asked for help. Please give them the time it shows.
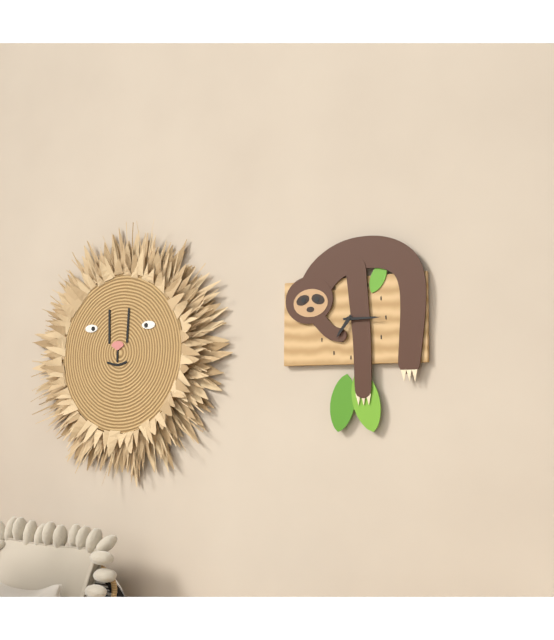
7:15
